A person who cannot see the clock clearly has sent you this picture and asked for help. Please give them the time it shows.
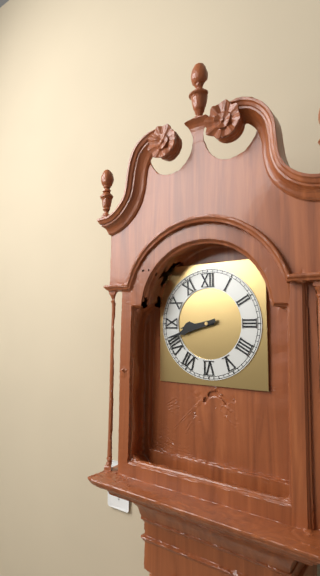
8:42
